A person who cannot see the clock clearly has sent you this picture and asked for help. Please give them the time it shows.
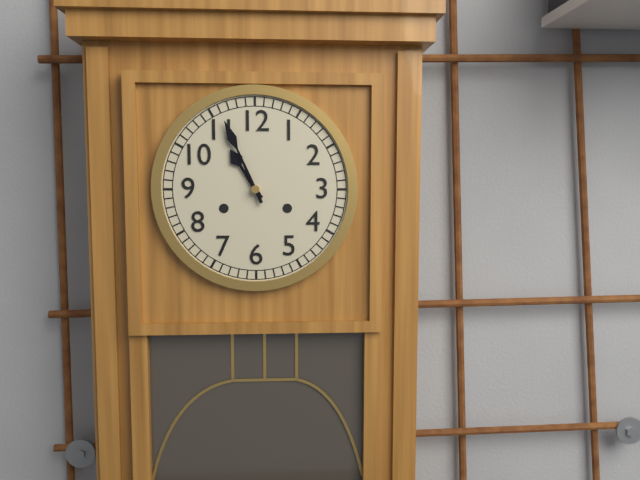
10:56
